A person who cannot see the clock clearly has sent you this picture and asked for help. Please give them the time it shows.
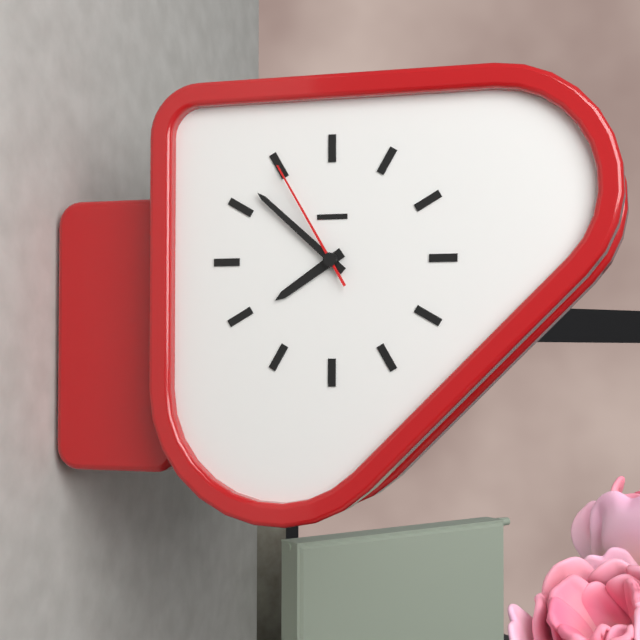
7:52:55
